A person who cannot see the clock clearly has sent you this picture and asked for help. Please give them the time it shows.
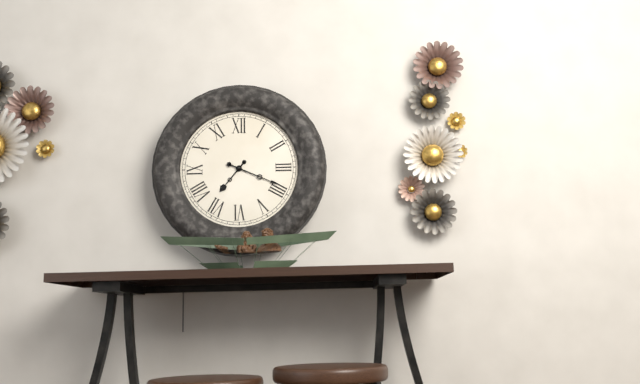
7:19
